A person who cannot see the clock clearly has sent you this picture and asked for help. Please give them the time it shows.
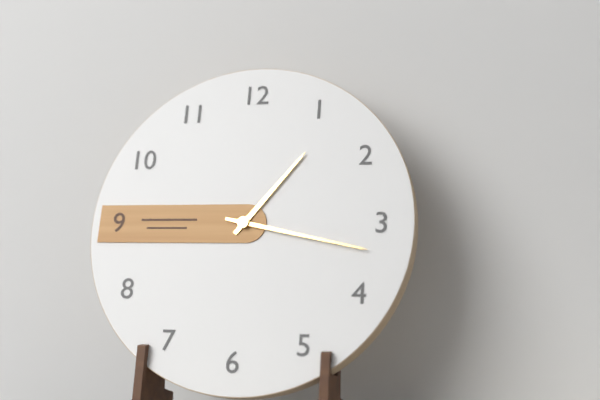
1:17
